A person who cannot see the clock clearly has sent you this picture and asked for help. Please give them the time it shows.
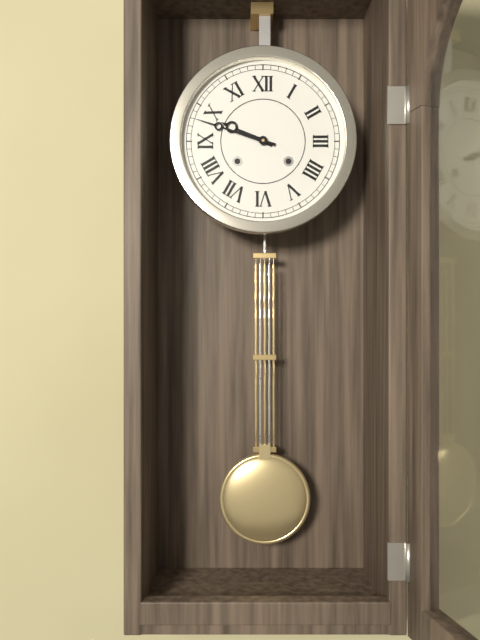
9:48
